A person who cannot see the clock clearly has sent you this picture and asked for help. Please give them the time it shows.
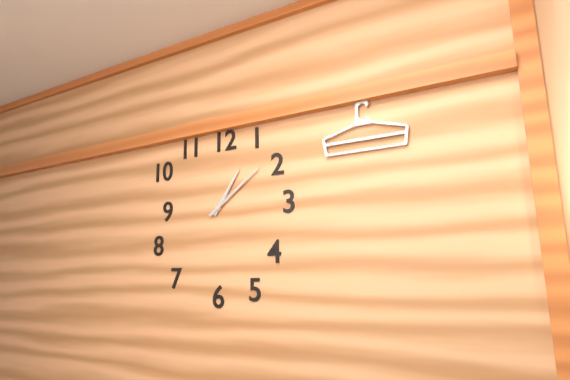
1:09
